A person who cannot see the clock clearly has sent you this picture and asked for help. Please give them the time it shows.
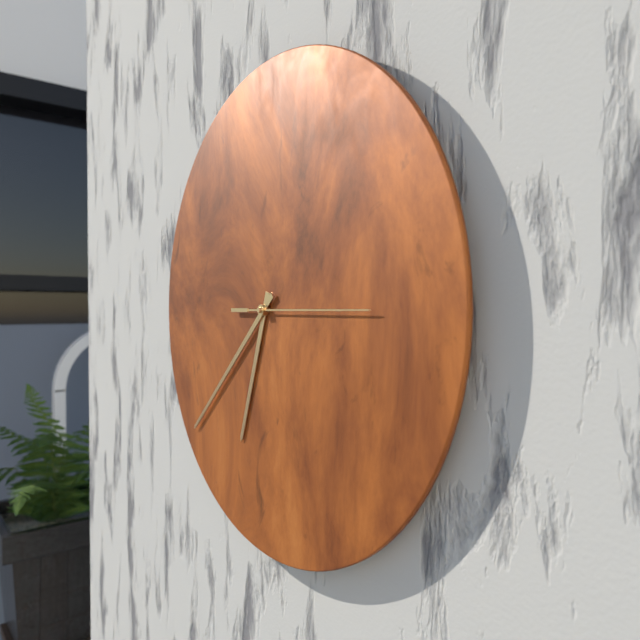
6:38:15
